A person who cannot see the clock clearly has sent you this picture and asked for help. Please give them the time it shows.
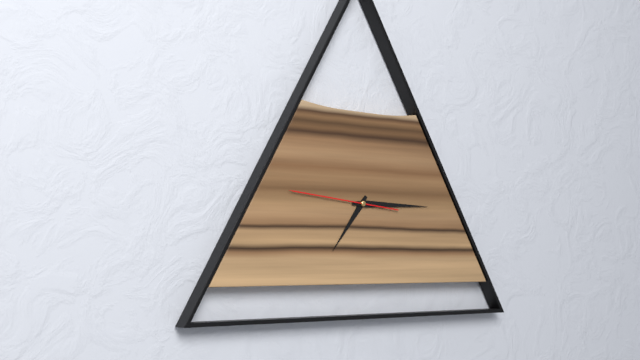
7:15:46
